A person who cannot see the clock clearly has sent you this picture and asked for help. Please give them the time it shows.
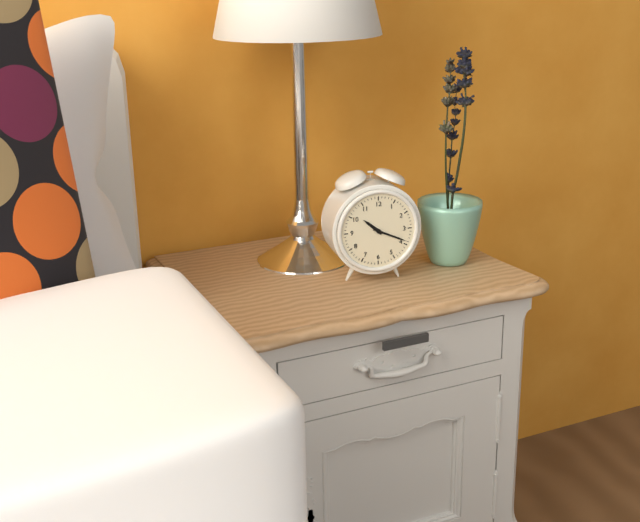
10:19
